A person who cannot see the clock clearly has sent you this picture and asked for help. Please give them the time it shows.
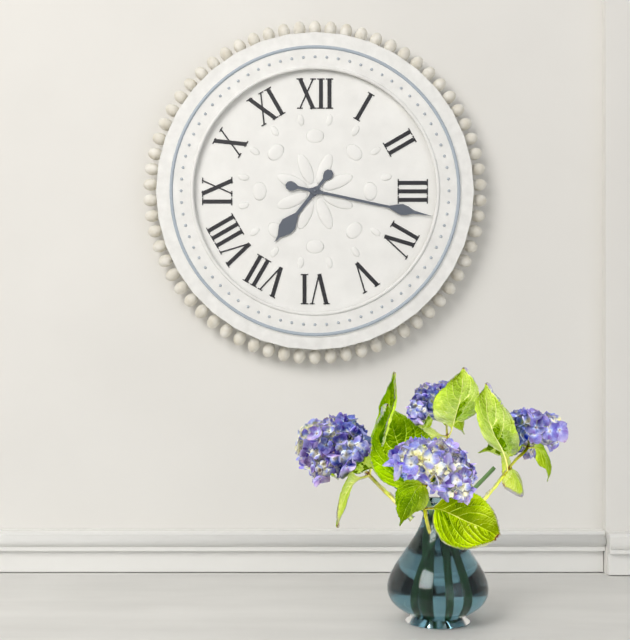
7:17
